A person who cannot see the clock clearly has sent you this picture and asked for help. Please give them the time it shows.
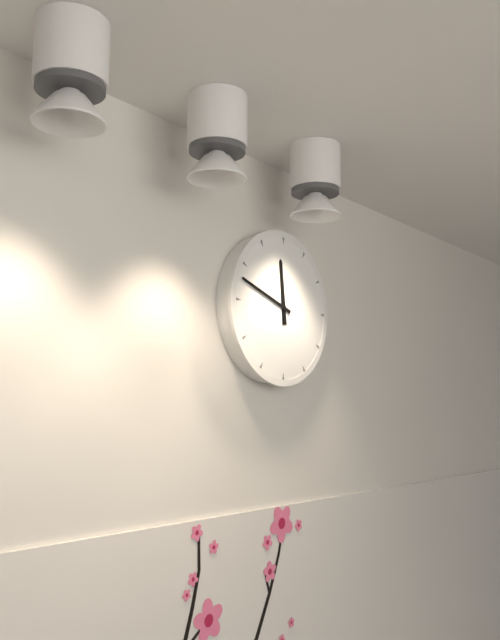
11:48
